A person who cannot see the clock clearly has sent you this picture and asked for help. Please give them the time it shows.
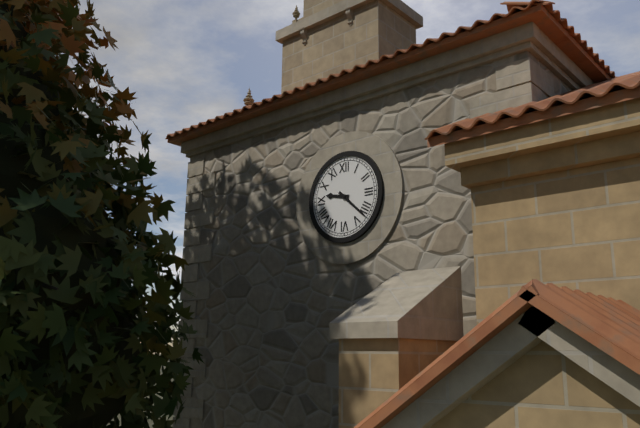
9:22
